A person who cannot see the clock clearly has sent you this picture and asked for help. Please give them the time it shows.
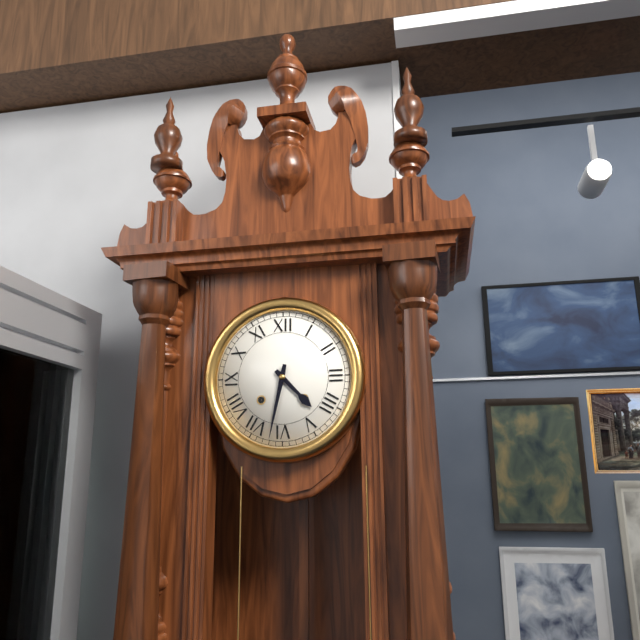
4:32
